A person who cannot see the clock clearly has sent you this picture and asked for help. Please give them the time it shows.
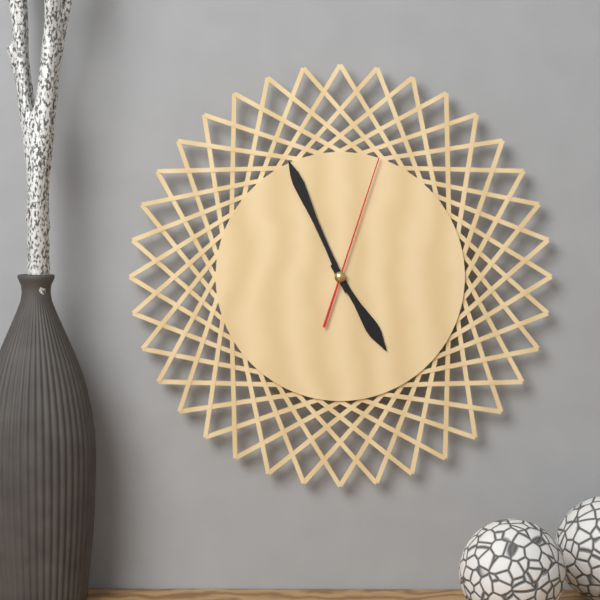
4:56:03
